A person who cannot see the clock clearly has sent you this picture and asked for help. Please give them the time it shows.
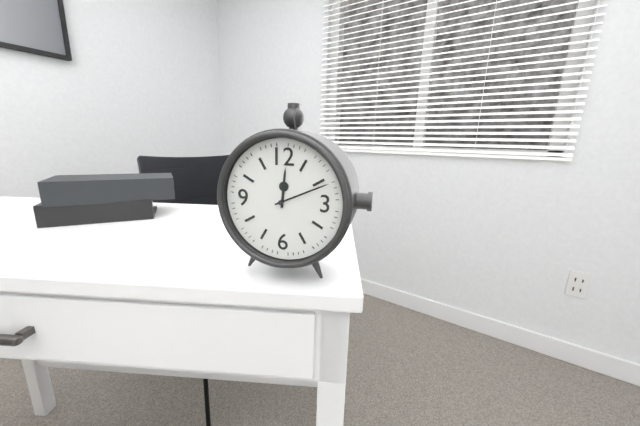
12:11
